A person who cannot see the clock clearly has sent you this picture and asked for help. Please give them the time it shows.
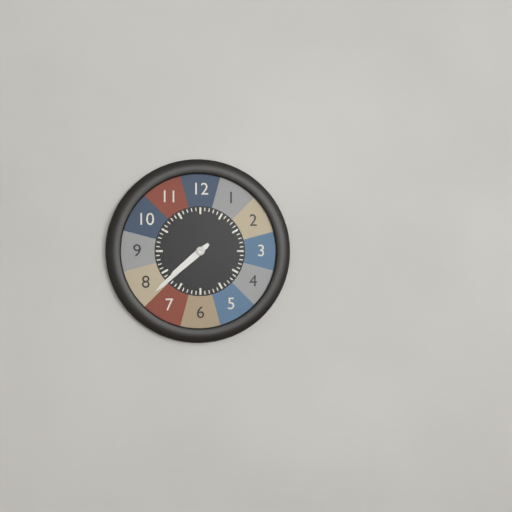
7:38
